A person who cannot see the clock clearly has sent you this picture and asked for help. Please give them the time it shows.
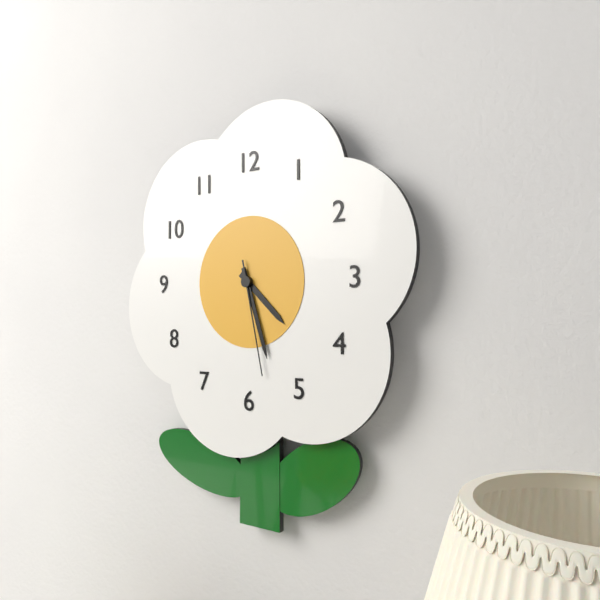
4:27:28
